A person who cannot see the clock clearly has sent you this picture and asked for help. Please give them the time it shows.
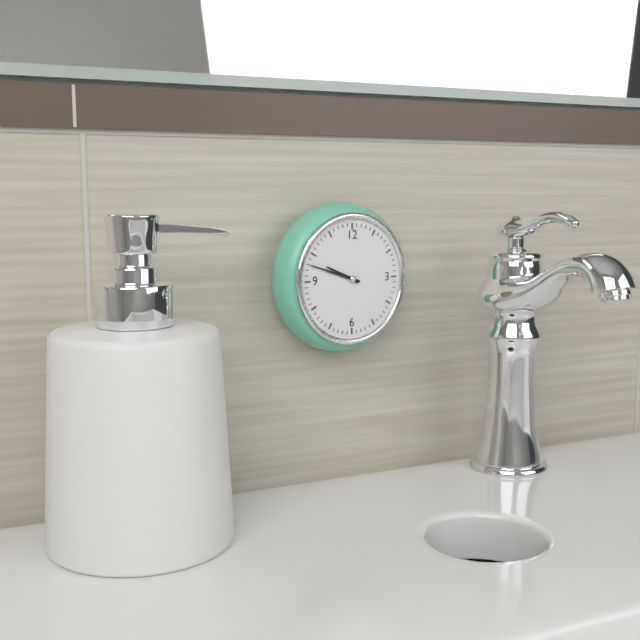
9:48
